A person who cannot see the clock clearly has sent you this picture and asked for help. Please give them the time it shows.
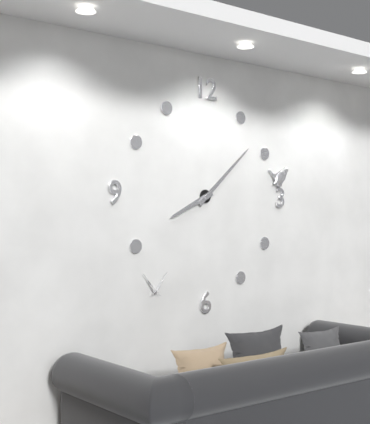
8:08
